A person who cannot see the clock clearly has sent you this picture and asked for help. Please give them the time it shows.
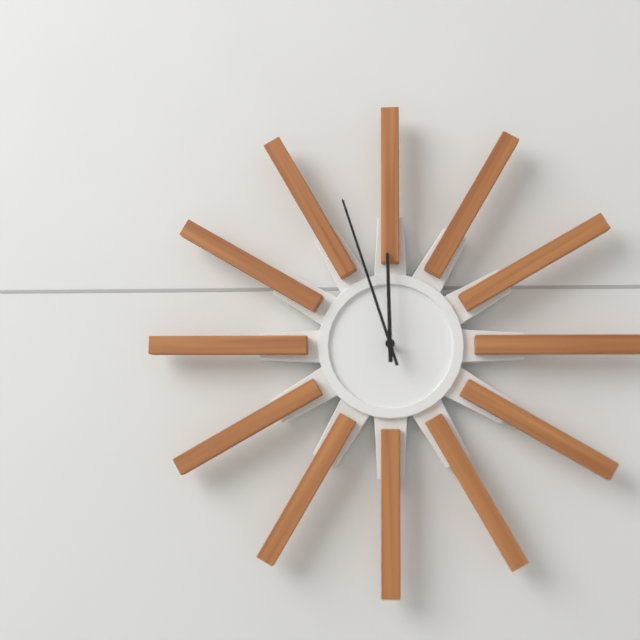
11:57
